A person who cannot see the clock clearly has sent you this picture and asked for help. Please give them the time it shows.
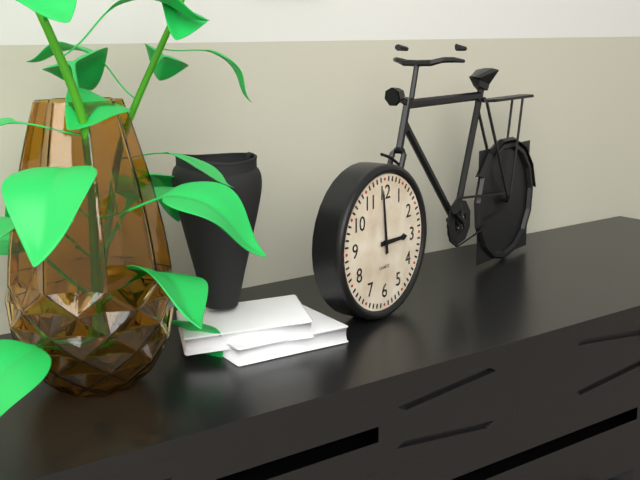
2:59
